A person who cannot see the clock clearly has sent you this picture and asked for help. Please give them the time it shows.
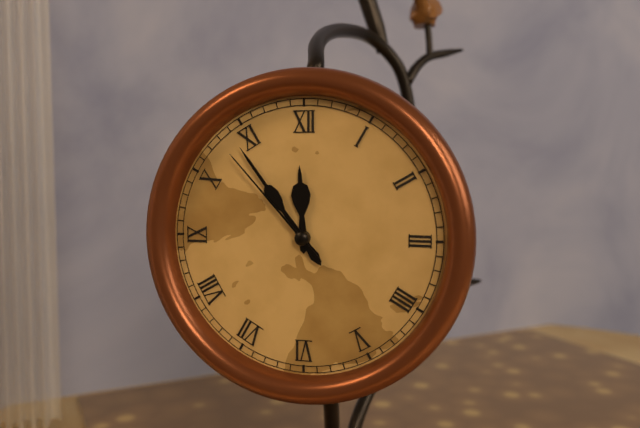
11:54:53
